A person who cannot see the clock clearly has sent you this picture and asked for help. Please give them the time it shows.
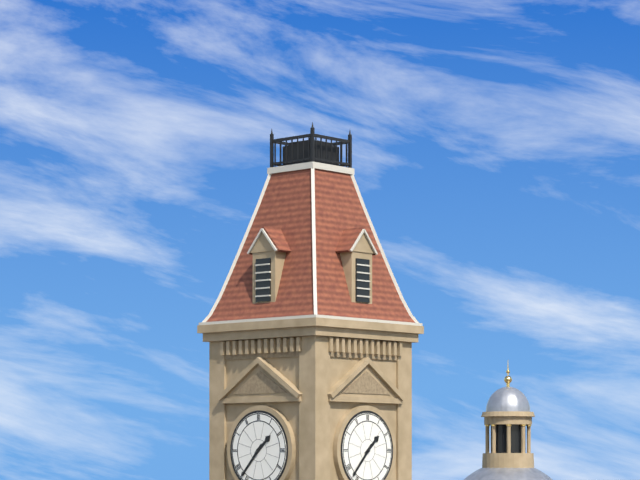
1:37
